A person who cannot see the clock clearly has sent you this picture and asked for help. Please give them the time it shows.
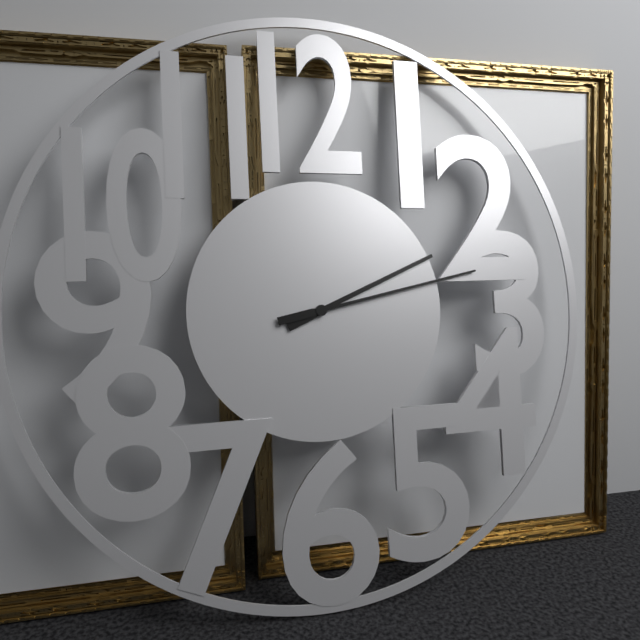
2:13
